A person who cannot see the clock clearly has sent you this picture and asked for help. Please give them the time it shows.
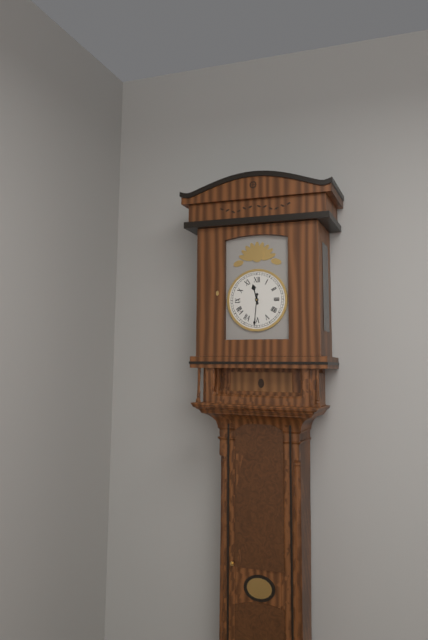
11:31
